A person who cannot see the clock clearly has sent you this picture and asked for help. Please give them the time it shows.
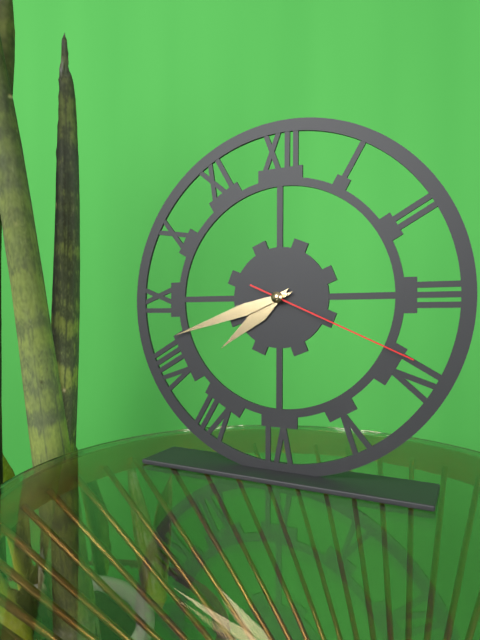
7:42:19
